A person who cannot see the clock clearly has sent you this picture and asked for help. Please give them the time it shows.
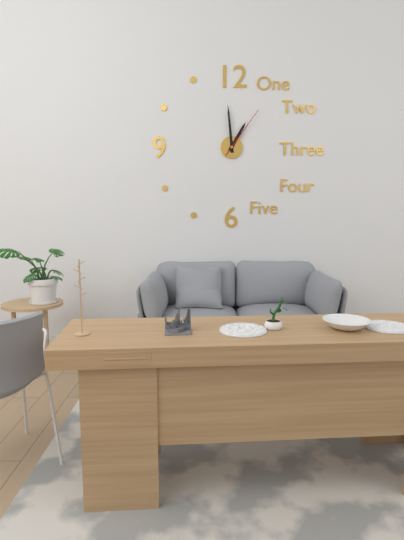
12:59:06
